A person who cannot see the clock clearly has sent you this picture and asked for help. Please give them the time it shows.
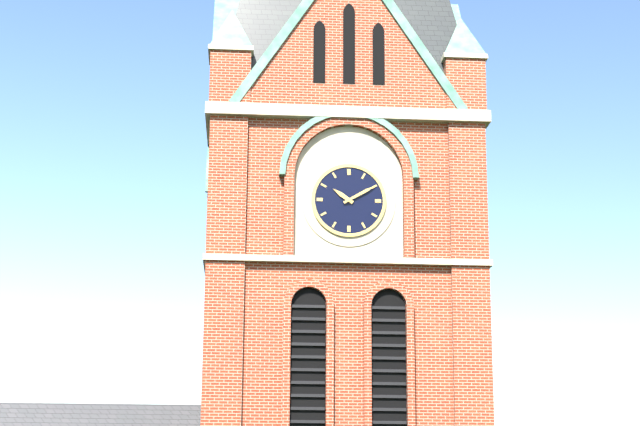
10:10
